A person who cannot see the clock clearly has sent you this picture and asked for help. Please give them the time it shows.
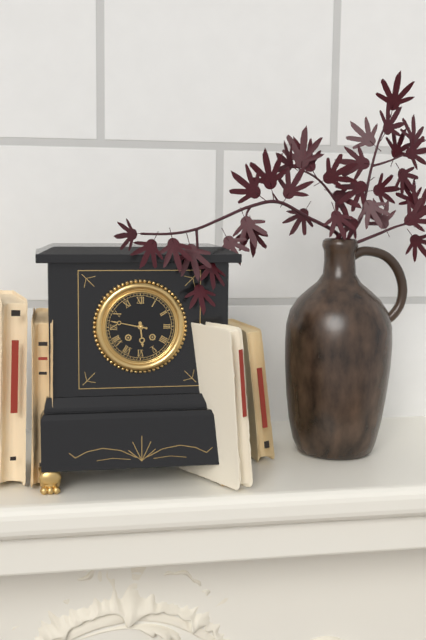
5:47
